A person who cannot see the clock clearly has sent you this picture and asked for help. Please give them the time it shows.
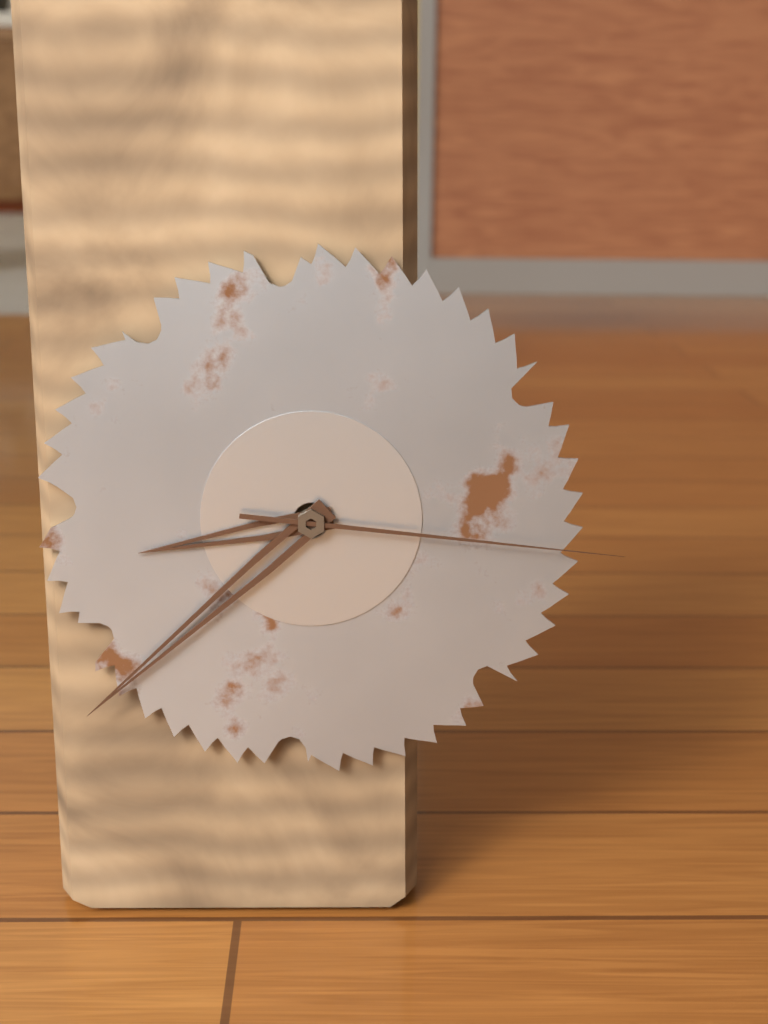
8:38:16
